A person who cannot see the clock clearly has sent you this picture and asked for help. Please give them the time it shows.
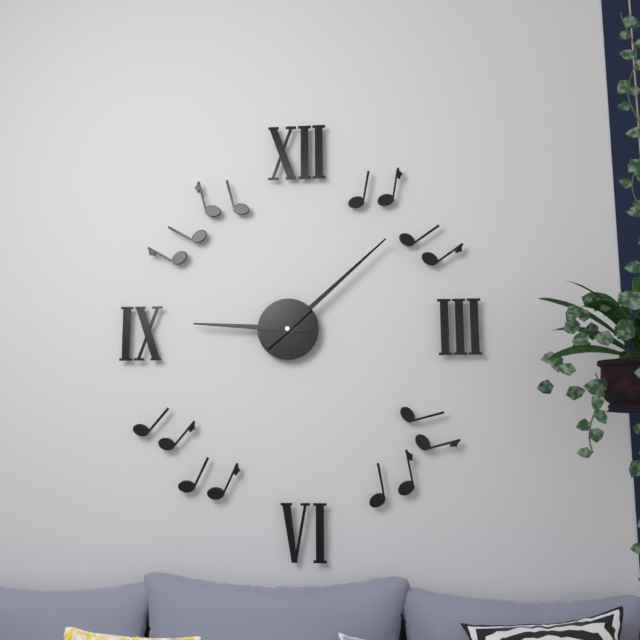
9:08
